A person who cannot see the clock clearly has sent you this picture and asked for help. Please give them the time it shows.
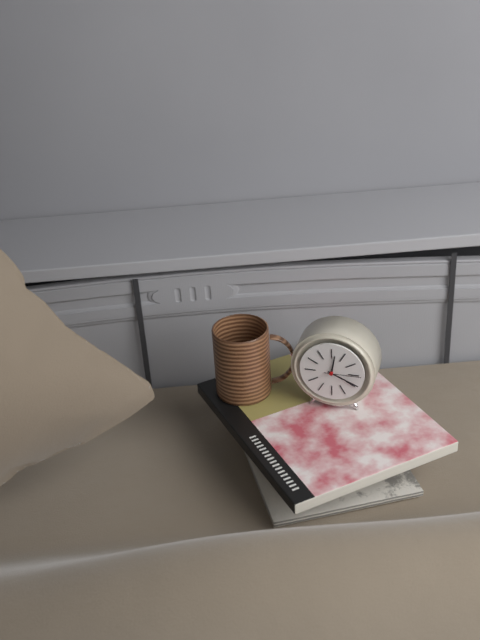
12:19
